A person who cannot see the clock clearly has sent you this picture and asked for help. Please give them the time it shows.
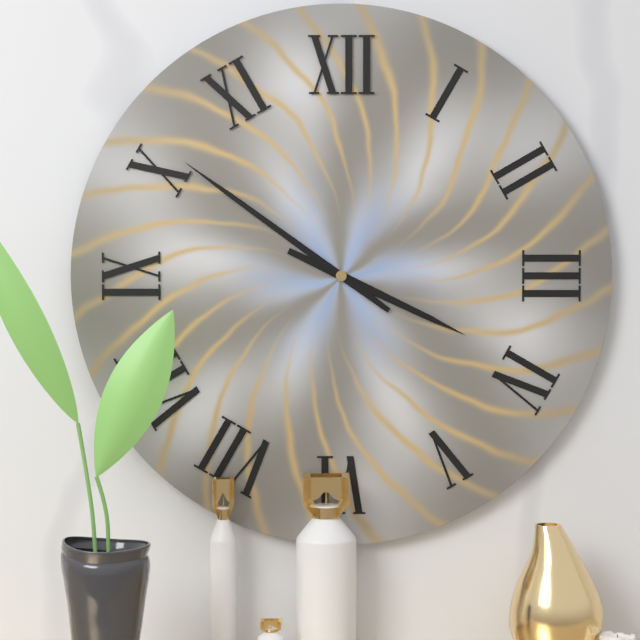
3:51
